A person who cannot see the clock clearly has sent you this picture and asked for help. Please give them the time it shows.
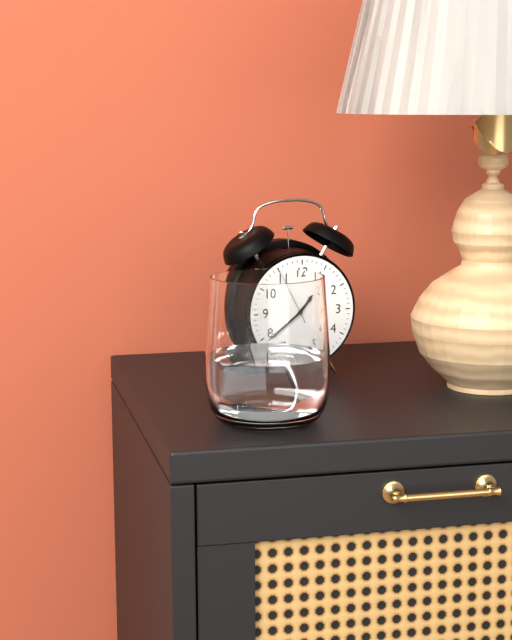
1:39:55
